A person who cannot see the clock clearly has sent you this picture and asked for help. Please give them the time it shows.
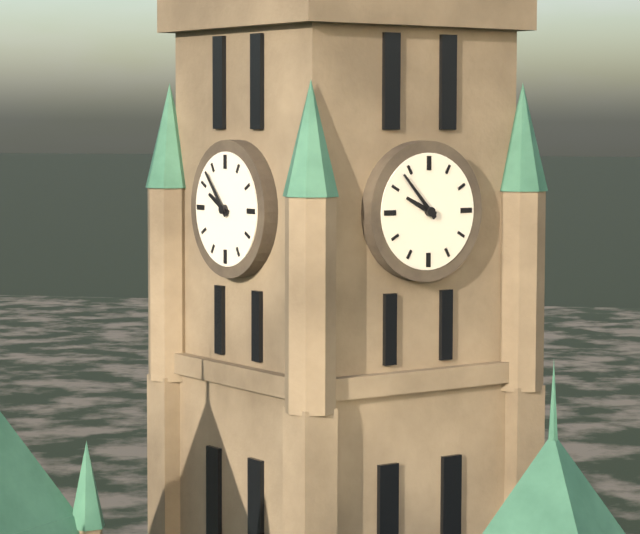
9:53
